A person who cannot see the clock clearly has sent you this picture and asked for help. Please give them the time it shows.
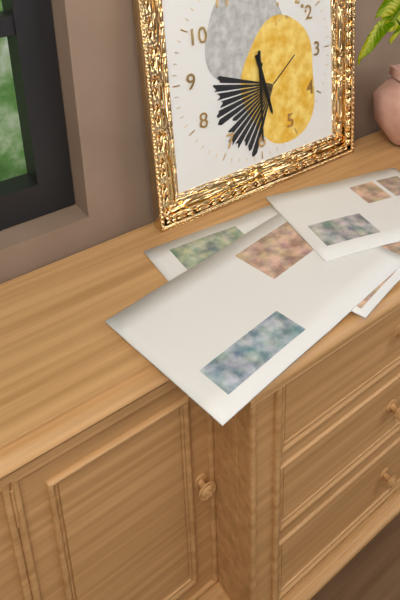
5:30
